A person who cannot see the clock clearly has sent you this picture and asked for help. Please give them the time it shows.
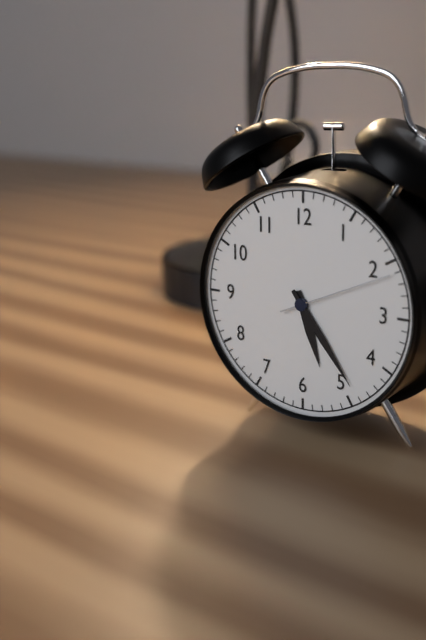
5:24:11
